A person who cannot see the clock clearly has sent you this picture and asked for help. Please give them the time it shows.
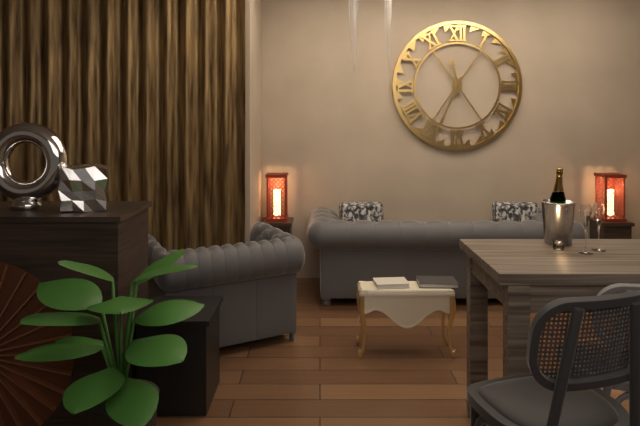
11:34
